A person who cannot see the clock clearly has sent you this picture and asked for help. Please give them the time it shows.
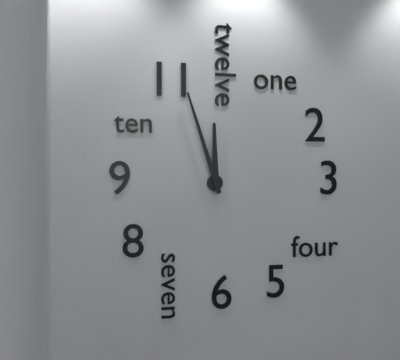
11:57
